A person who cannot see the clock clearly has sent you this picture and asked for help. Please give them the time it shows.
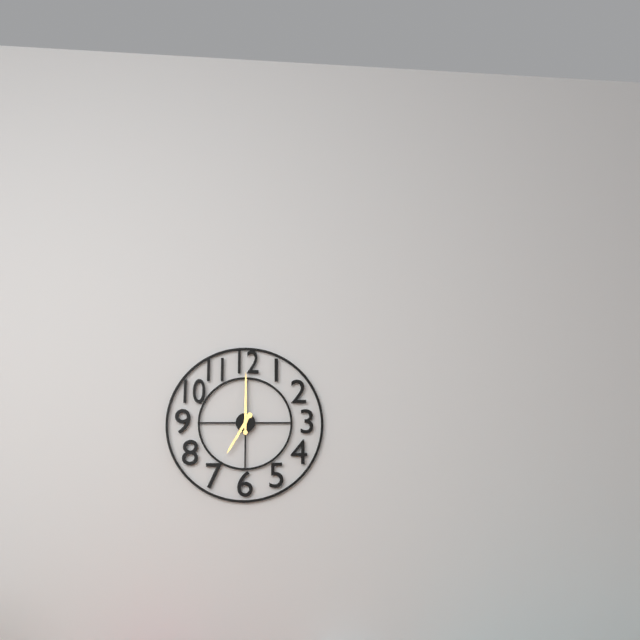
7:00
